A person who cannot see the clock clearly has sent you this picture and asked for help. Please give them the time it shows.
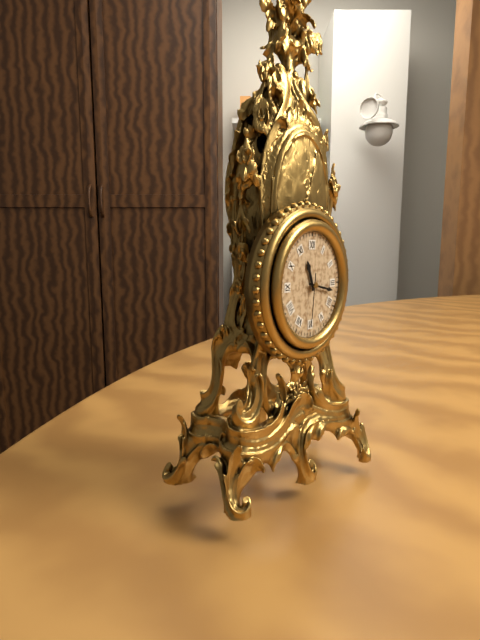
11:17:31
